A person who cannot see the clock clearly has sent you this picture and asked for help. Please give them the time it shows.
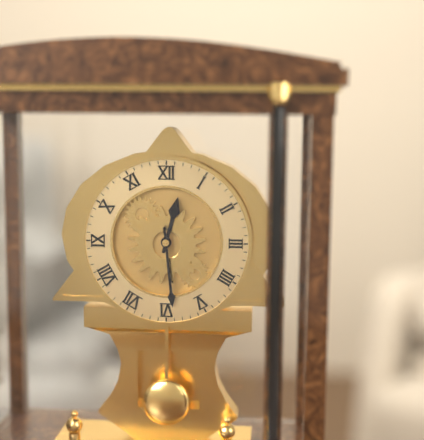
12:29
